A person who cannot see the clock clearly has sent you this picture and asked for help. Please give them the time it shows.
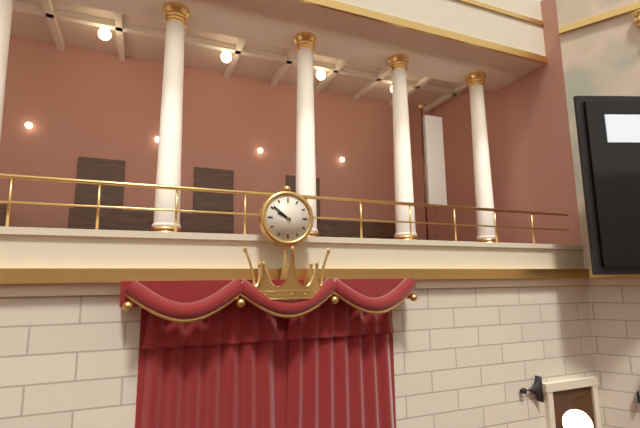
9:51
